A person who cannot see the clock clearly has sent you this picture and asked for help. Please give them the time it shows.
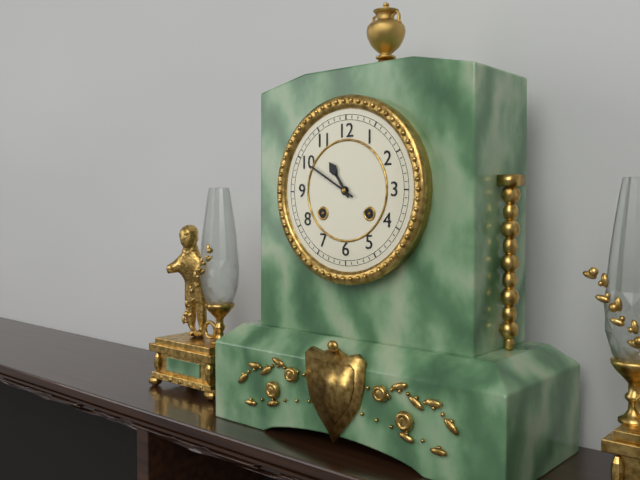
10:50
